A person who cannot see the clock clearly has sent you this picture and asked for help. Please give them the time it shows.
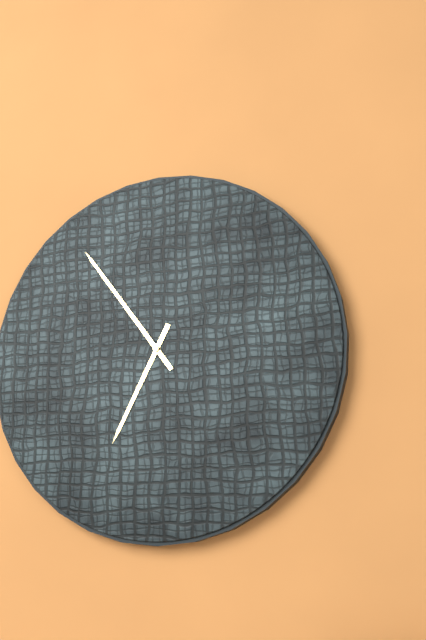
6:54
